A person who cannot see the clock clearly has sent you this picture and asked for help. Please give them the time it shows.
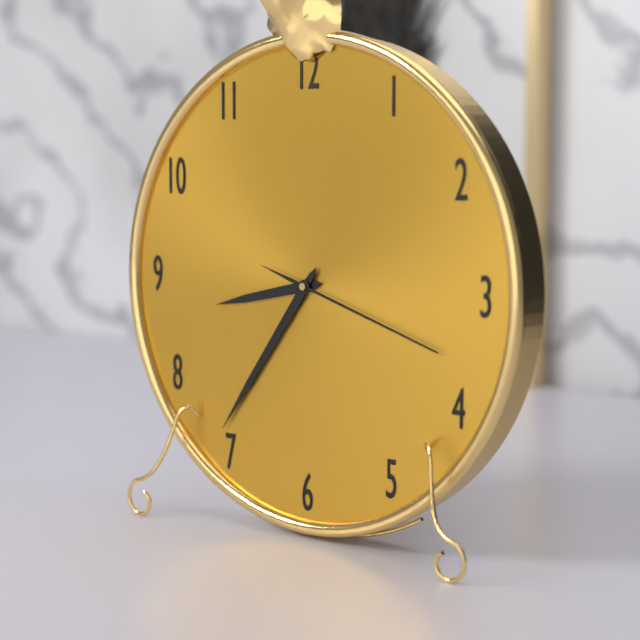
8:36:18
